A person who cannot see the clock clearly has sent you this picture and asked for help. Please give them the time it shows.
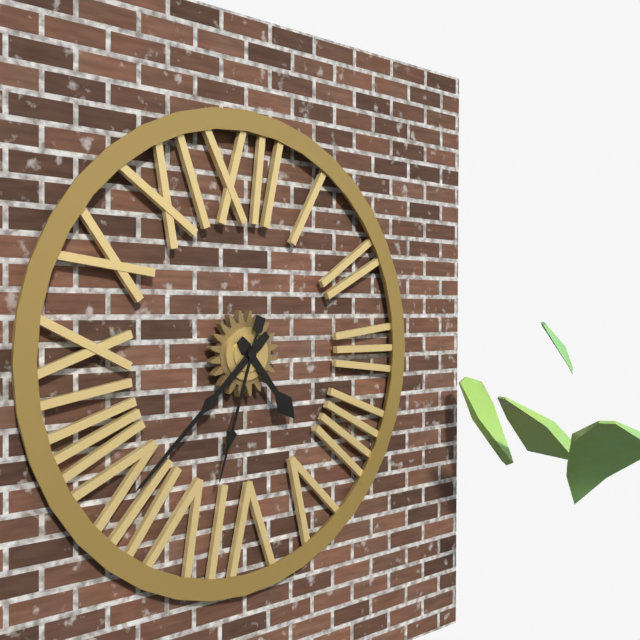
4:38:33
